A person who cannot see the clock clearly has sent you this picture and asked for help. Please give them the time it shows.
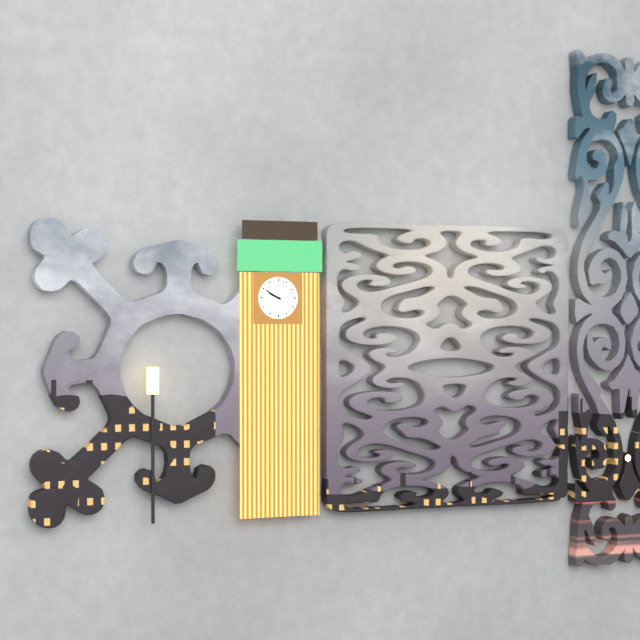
9:50
